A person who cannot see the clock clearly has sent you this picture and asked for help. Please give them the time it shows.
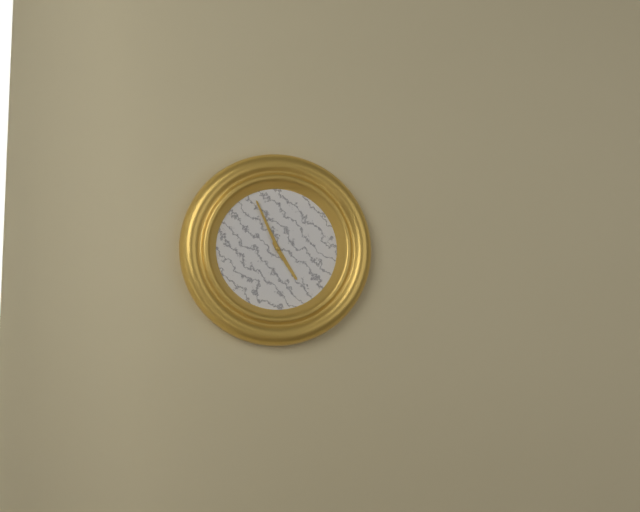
4:56
